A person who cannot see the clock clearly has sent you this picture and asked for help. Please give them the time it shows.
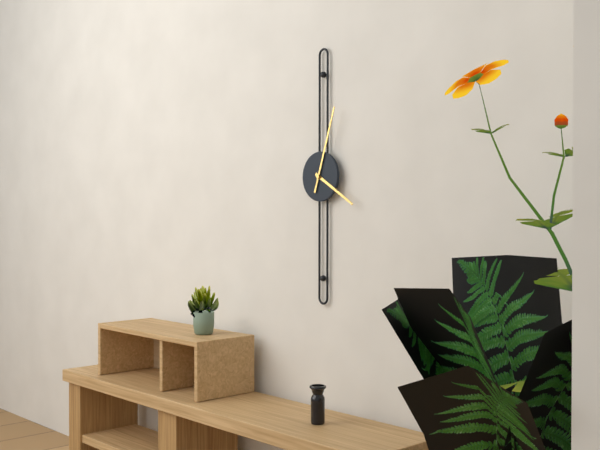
4:03
